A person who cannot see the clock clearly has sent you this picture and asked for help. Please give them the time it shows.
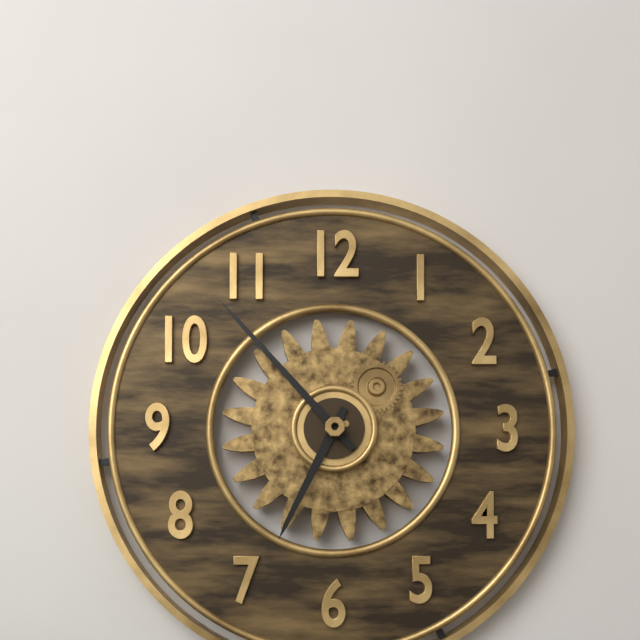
6:53
